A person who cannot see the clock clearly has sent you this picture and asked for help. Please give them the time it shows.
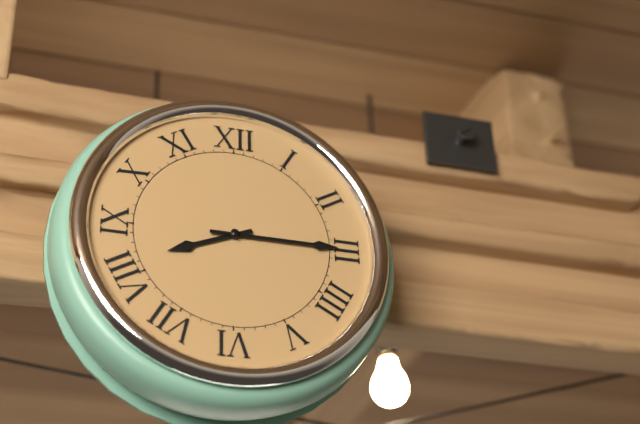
8:15
